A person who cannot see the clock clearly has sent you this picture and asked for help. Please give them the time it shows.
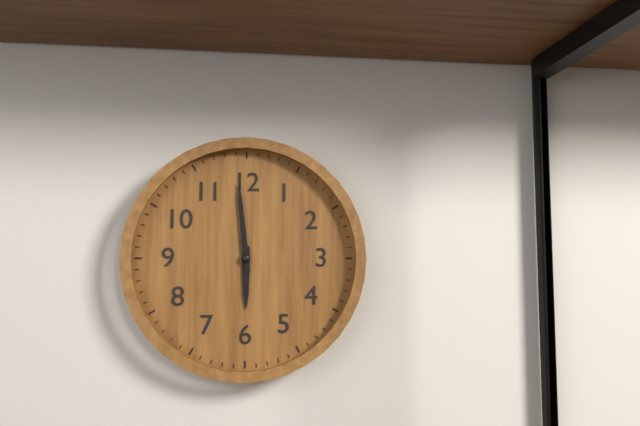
5:59
